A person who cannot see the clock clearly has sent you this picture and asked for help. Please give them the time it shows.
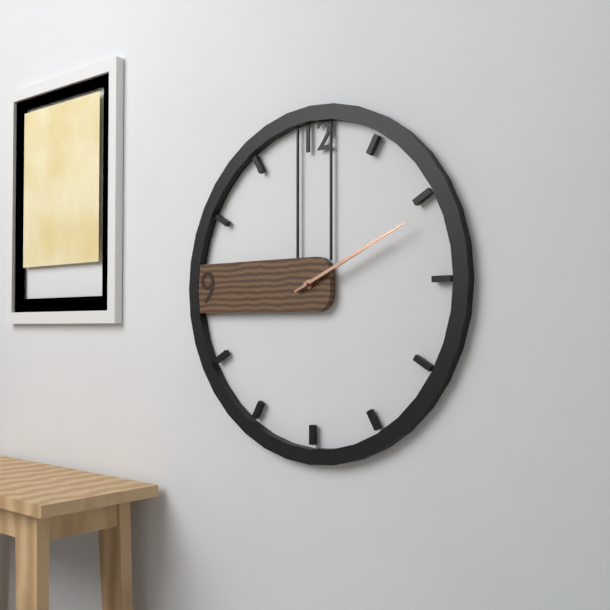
2:11
